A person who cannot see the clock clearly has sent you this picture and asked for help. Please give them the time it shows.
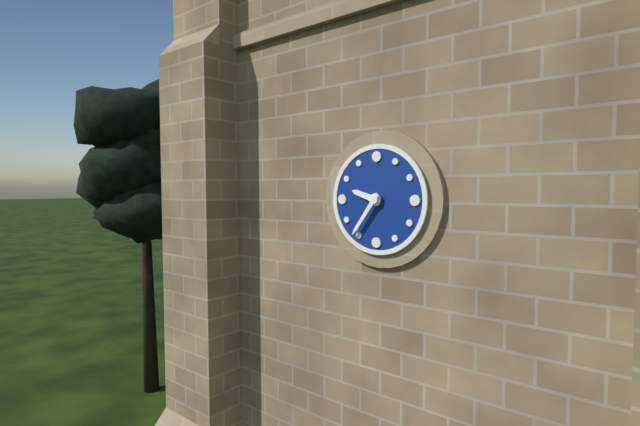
9:36
